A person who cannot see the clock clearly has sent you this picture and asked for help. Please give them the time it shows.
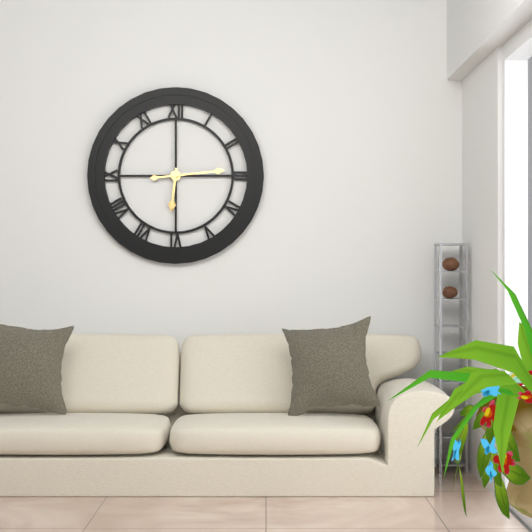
6:14
